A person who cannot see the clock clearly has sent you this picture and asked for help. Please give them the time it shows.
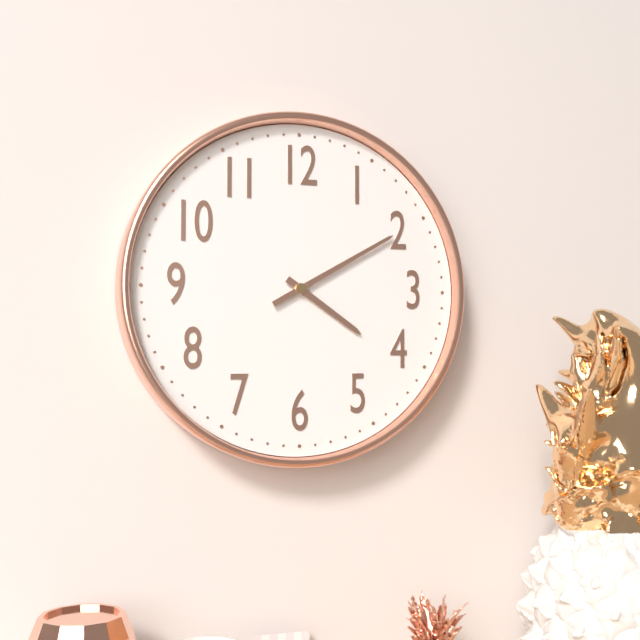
4:10
